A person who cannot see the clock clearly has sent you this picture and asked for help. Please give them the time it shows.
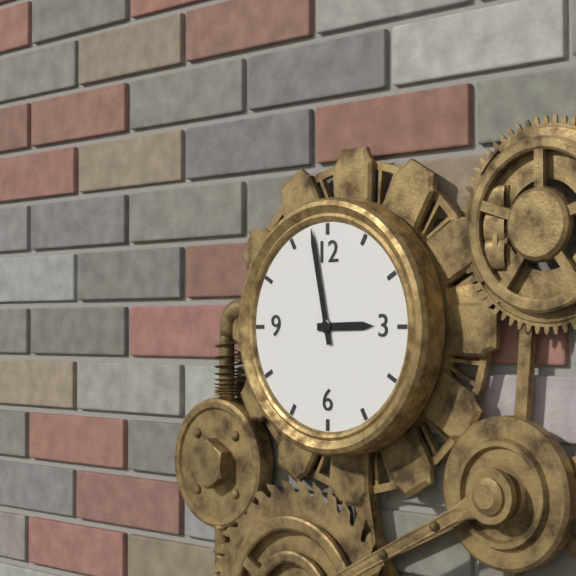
2:58
